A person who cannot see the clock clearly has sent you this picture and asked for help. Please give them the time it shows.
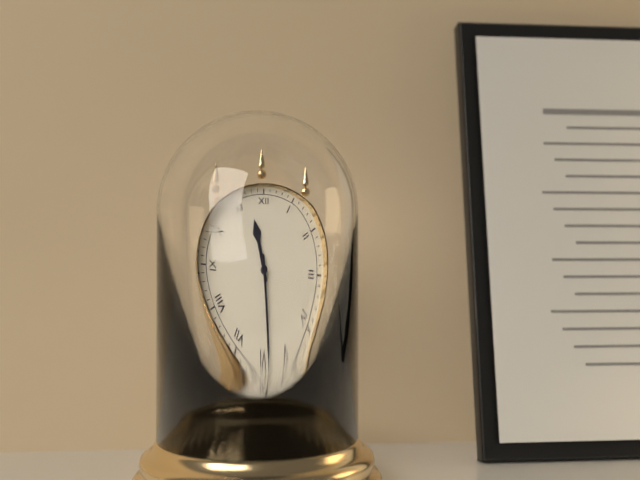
11:29
